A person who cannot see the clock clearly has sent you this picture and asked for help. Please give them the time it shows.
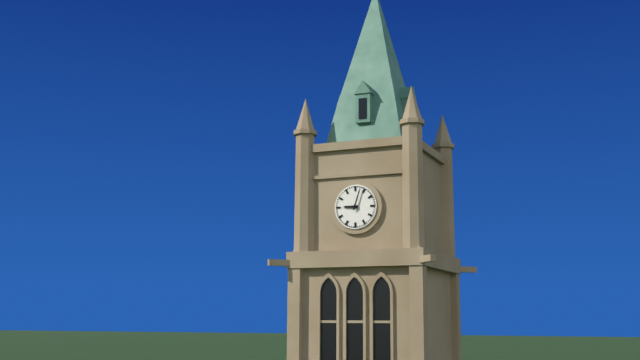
9:03
